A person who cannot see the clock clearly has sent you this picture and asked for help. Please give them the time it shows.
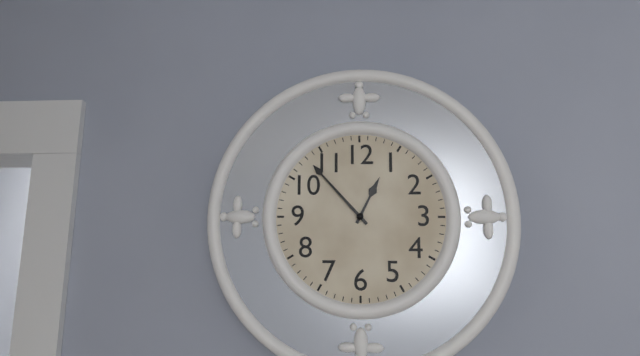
12:53
